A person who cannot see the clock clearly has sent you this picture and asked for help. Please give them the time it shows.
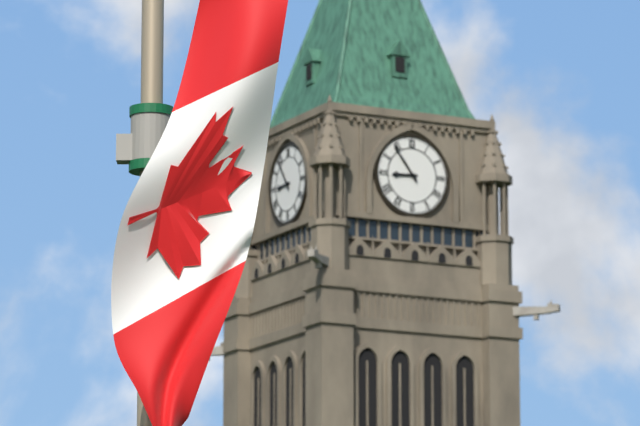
8:54
